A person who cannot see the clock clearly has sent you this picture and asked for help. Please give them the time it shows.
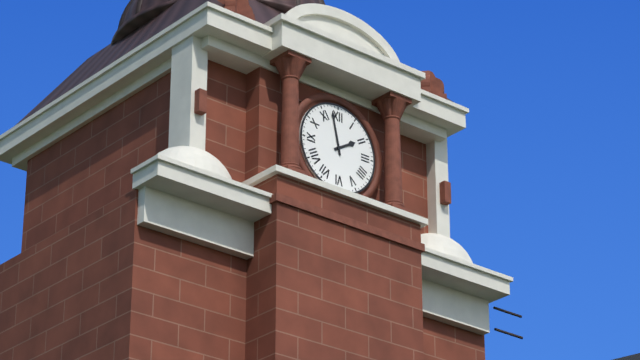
1:58
